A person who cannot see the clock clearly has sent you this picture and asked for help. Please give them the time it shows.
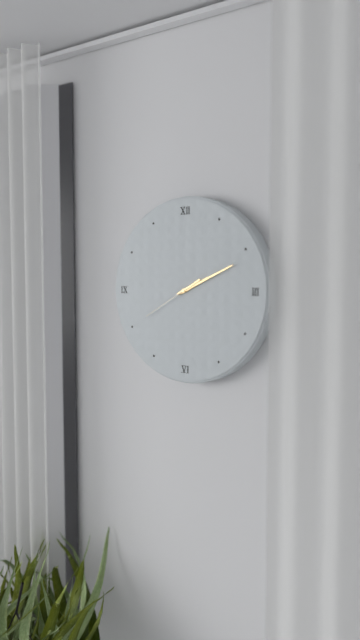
2:11:40
